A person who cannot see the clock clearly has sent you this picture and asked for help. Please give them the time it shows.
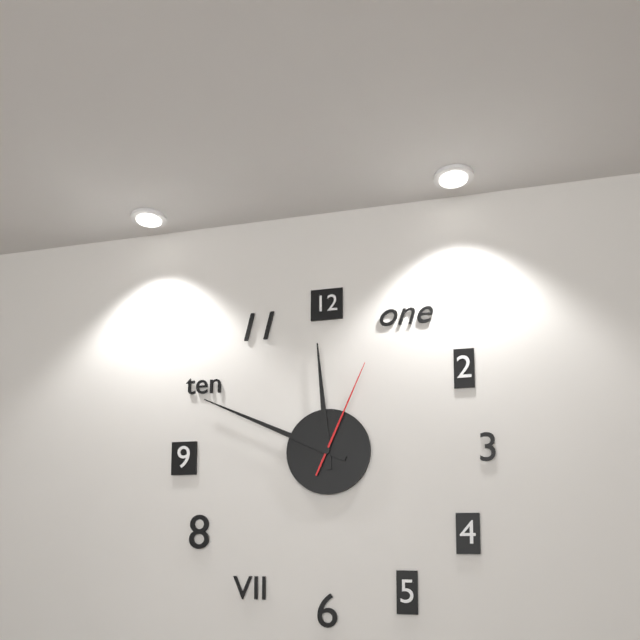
11:49:04
